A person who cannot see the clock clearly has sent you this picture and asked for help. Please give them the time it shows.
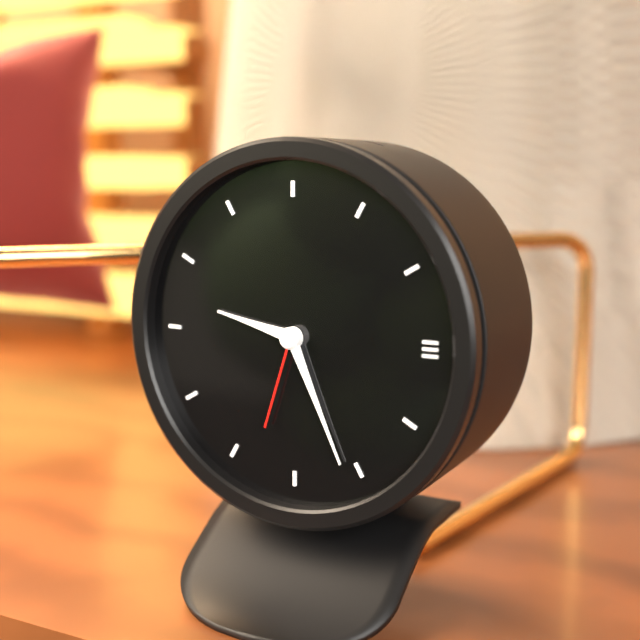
9:26:33
